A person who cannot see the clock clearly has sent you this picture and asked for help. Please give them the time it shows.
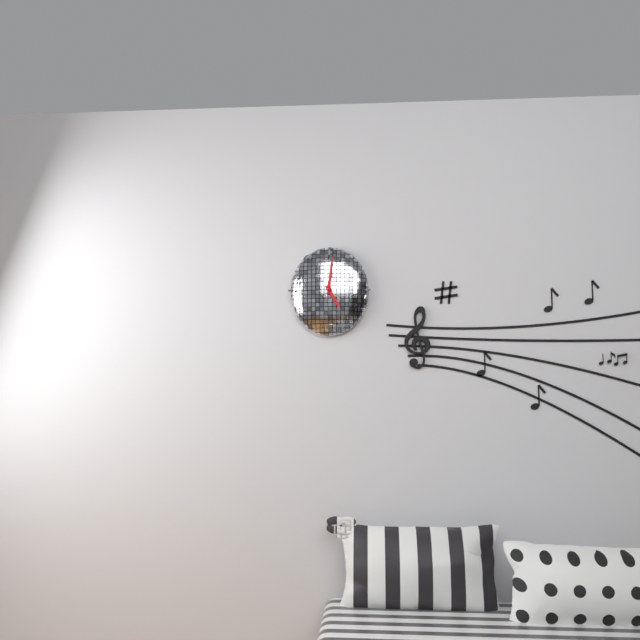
5:01
